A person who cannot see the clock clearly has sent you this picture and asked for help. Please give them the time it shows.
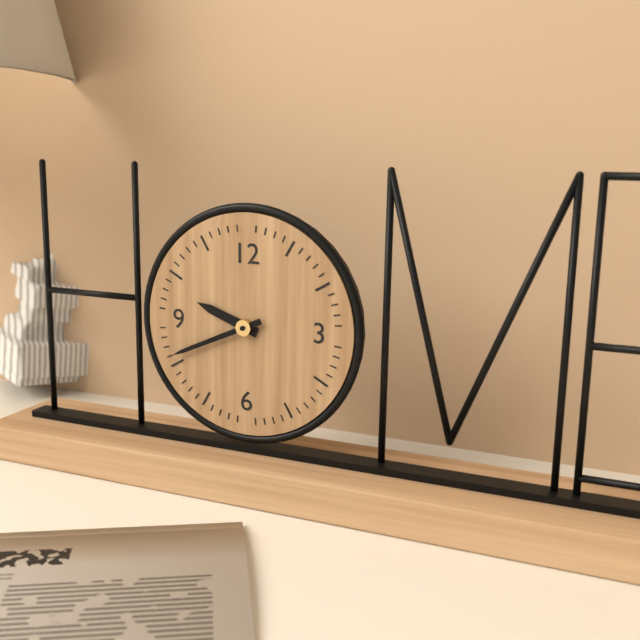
9:41
